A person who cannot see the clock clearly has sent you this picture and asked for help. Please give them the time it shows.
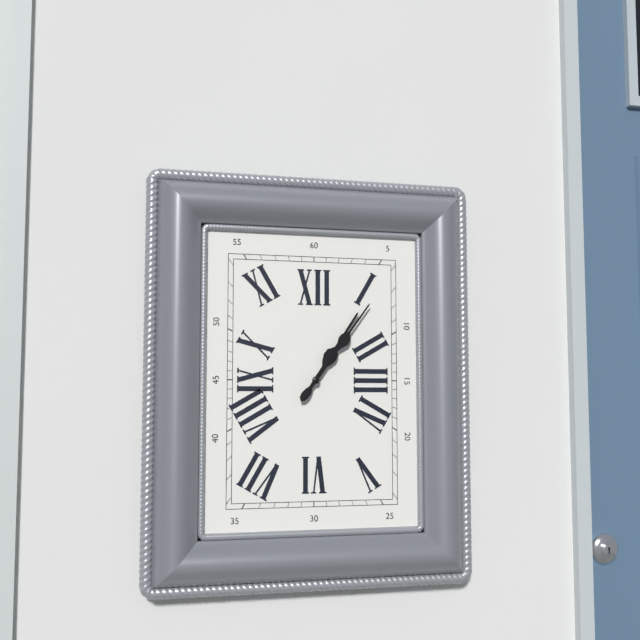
1:06
